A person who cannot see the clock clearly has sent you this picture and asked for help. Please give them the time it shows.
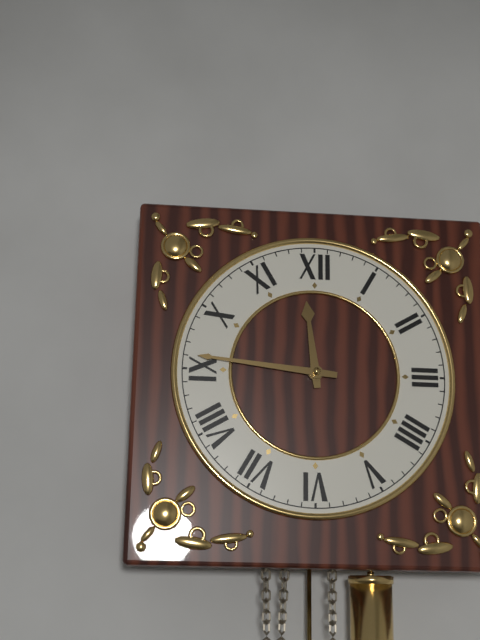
11:46
